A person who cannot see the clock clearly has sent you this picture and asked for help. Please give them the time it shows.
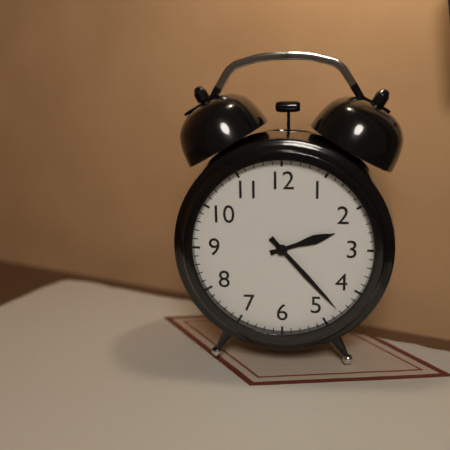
2:23
